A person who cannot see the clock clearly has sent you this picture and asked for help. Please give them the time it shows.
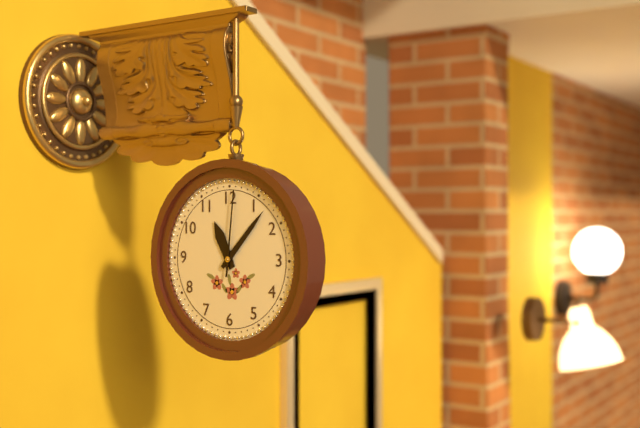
11:07:01
